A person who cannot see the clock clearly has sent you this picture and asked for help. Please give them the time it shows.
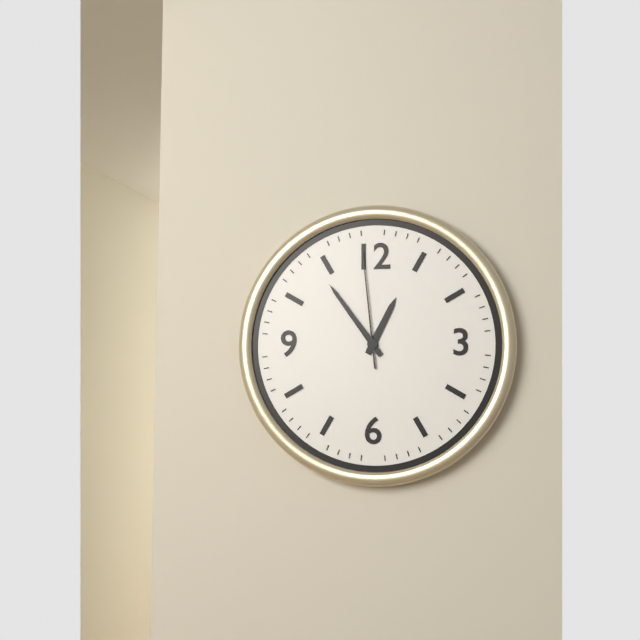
12:54:59
